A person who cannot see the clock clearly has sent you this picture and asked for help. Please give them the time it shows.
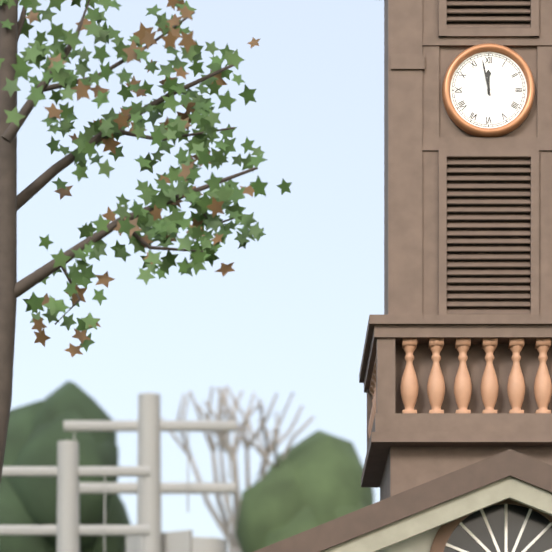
11:58
